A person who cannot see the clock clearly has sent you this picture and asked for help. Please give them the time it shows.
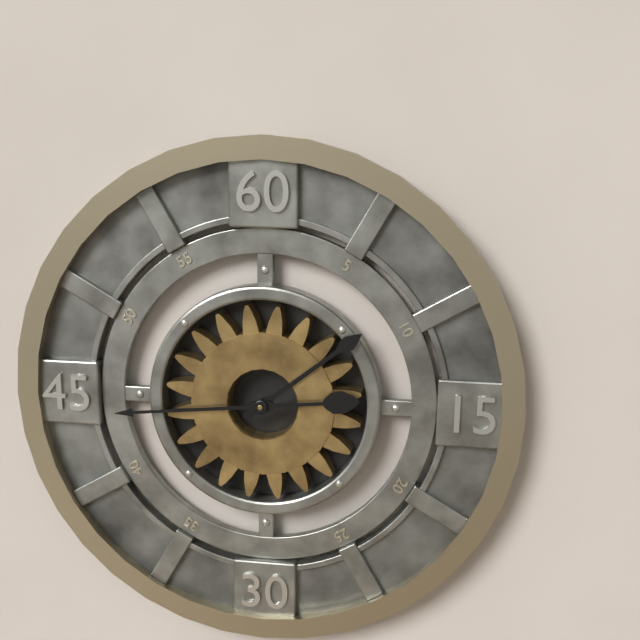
1:44
